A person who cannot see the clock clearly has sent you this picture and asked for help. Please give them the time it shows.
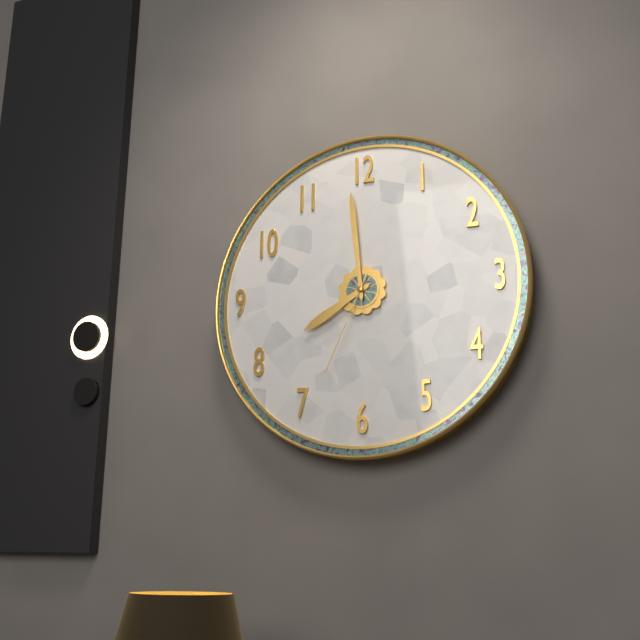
7:59:34
